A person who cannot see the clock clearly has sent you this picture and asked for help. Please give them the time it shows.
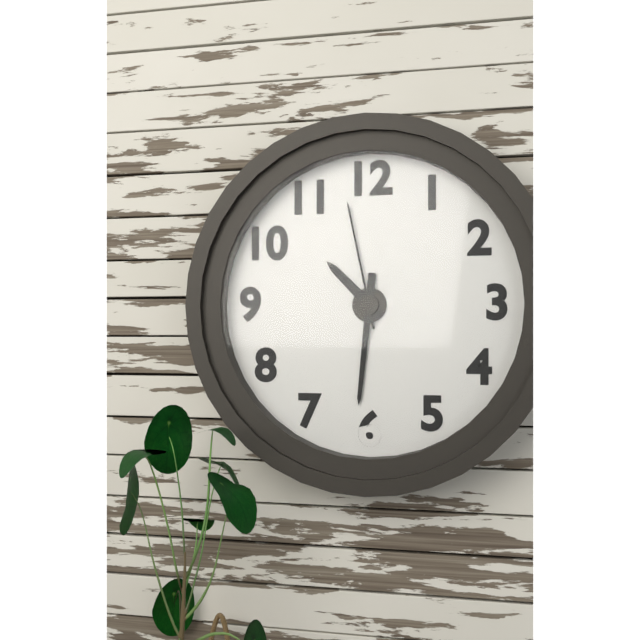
10:31:58
